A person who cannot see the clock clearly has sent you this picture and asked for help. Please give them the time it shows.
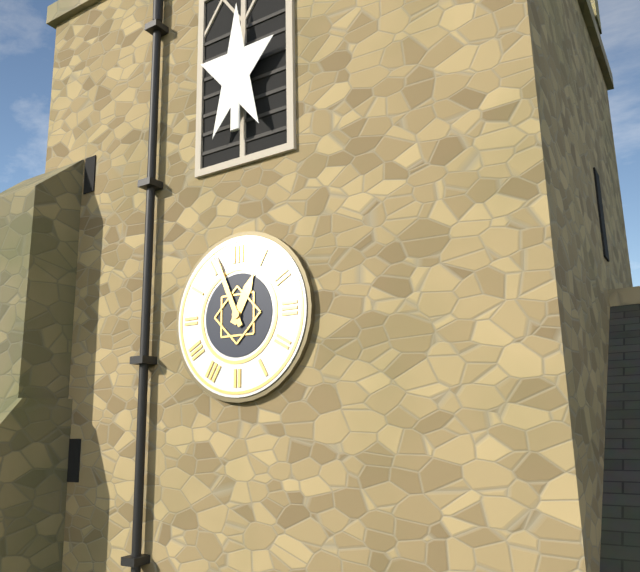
12:56
